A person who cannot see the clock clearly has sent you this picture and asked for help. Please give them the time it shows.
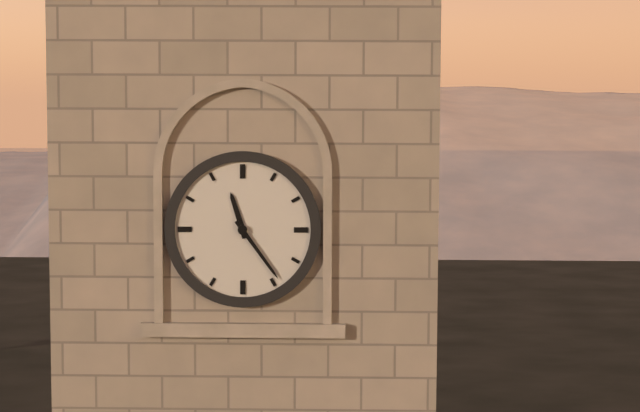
11:24
